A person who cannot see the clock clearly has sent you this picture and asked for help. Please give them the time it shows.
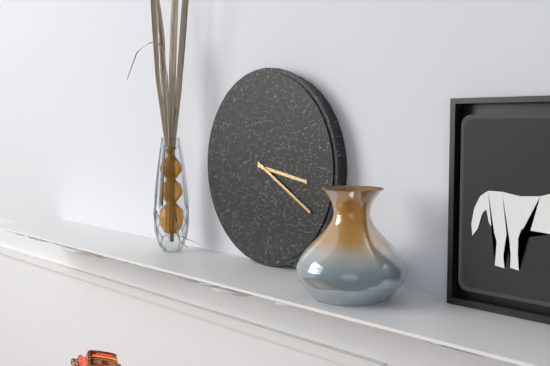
3:20
